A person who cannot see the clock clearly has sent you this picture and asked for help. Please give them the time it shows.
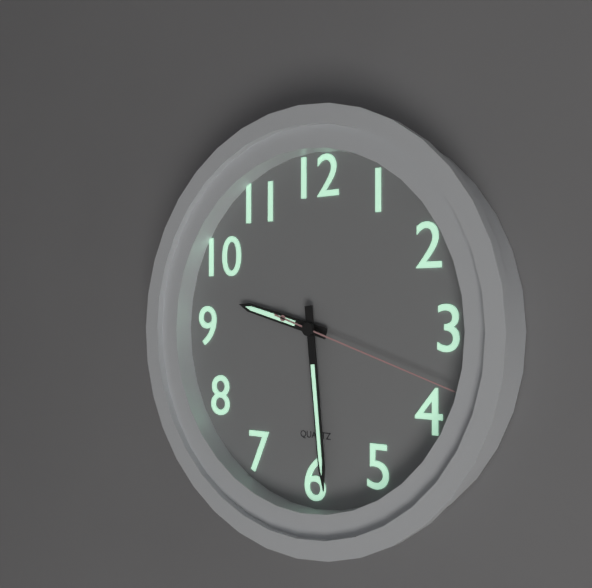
9:29:18
